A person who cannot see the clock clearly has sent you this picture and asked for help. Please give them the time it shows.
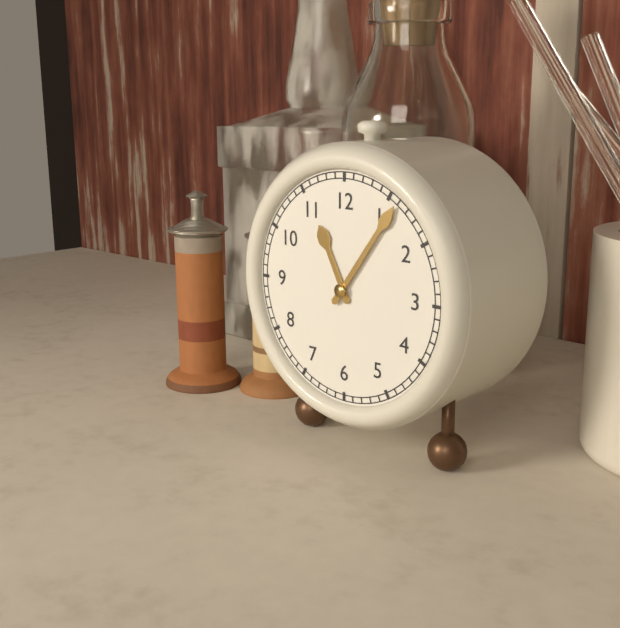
11:06
